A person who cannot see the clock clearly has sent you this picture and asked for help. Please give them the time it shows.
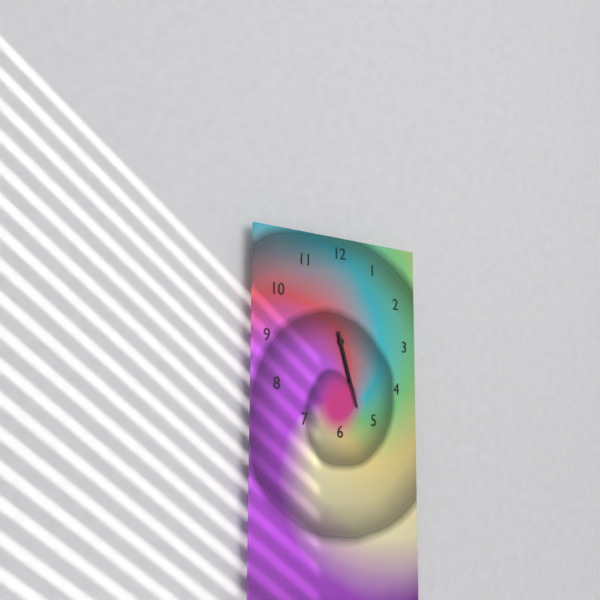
5:27
